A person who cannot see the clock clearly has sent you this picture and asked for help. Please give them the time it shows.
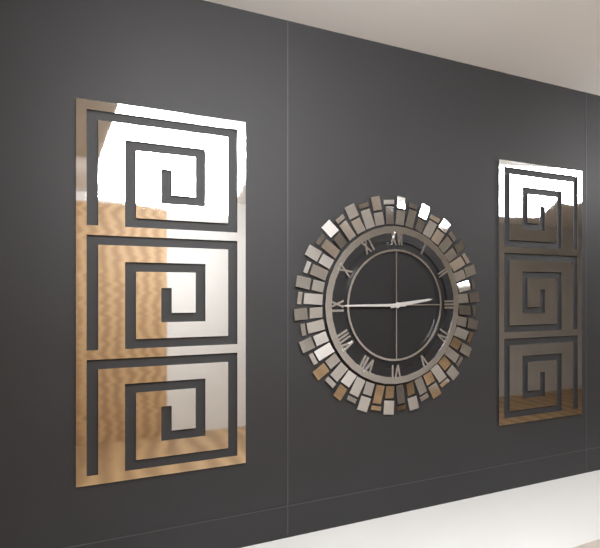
2:45
